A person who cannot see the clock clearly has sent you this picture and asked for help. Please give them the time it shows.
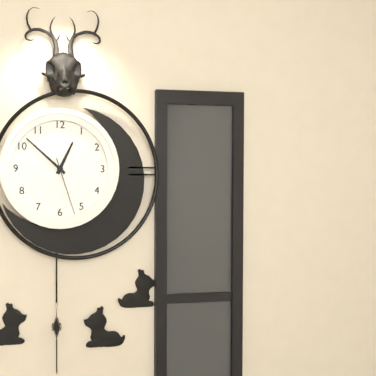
12:52:27
